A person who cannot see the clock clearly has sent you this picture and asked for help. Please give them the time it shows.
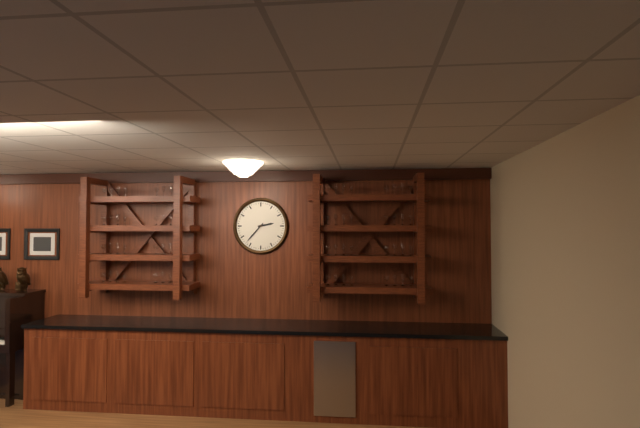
2:37
